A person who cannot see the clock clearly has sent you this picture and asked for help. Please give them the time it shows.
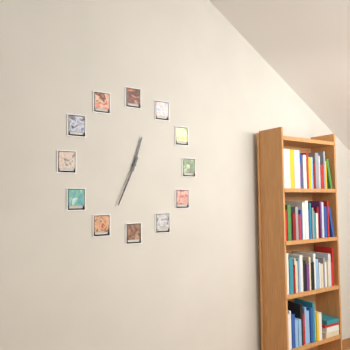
12:34
